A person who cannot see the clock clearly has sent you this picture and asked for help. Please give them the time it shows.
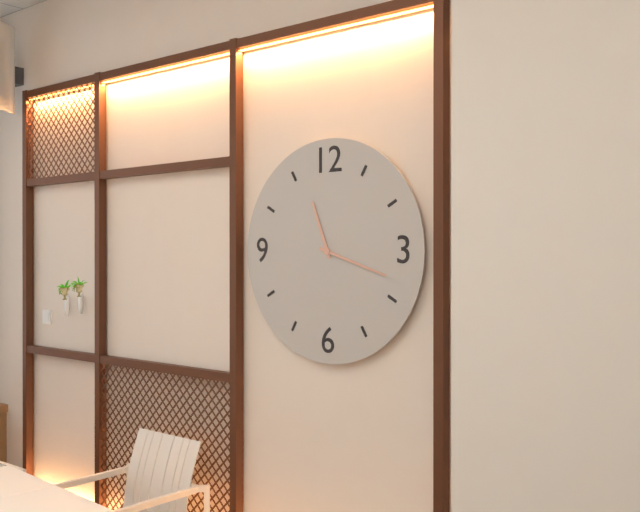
11:18
